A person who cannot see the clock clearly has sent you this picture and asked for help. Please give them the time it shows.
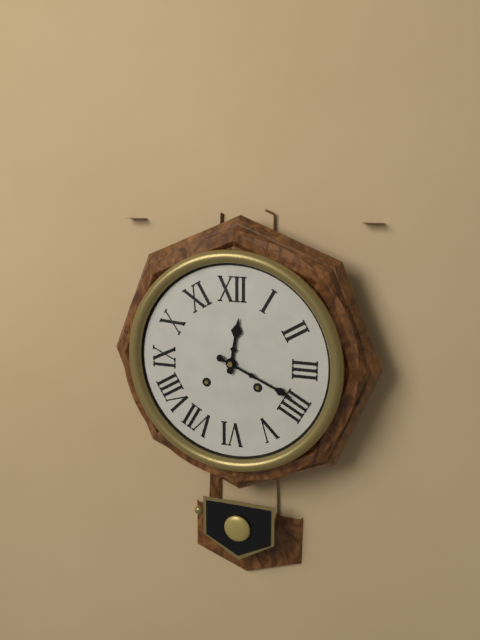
12:19
